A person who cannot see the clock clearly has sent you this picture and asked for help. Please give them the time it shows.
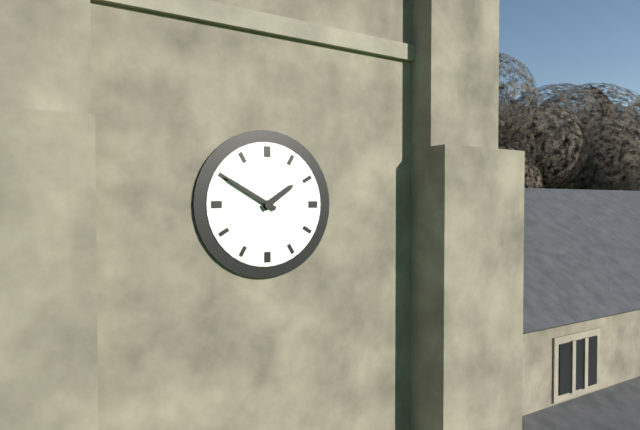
1:50
